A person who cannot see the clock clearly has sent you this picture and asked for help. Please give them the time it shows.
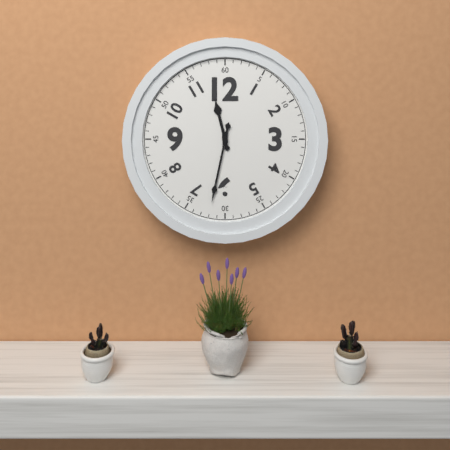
11:32
